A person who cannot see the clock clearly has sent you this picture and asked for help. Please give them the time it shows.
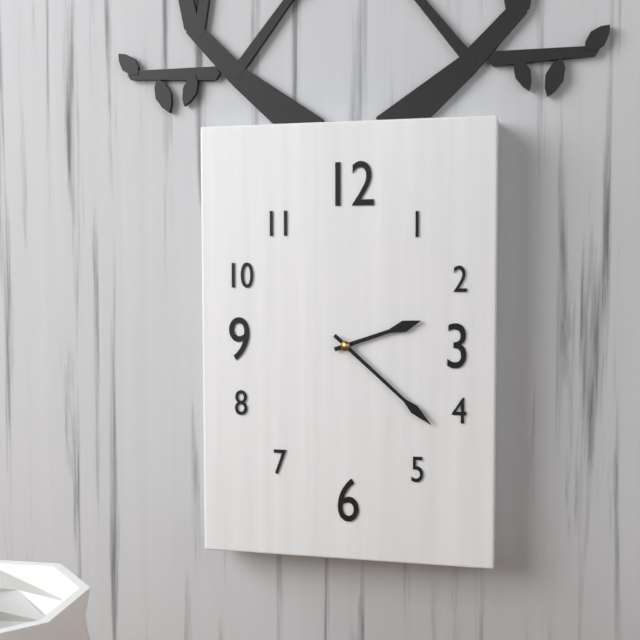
2:22
